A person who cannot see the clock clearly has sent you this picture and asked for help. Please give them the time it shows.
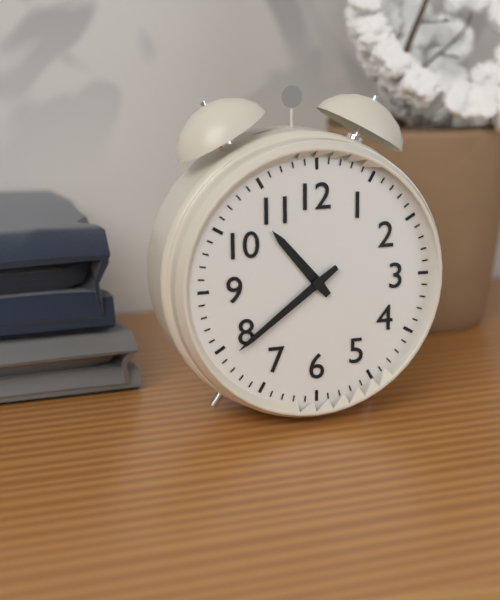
10:39
